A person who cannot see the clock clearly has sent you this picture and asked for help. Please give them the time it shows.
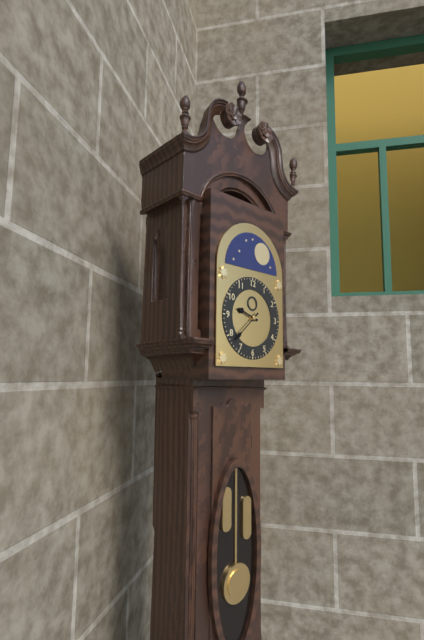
9:38
